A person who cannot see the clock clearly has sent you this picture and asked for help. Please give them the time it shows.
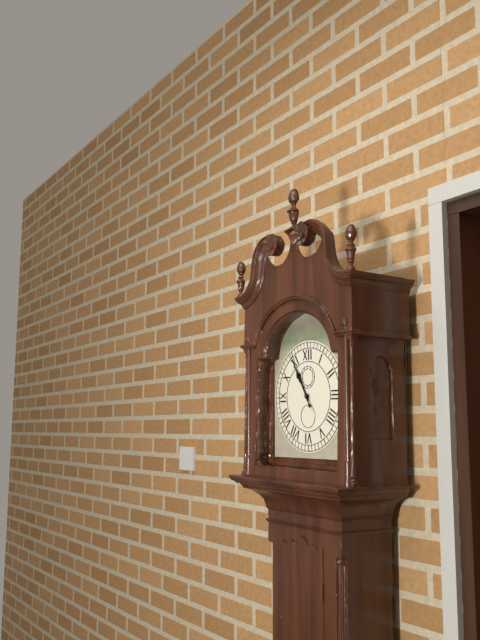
10:55
